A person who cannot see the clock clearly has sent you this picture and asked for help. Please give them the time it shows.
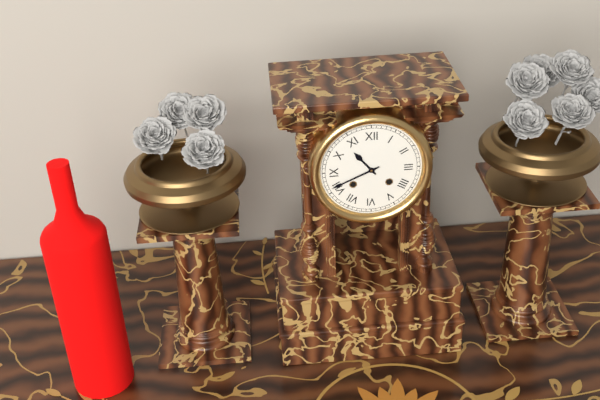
10:41
